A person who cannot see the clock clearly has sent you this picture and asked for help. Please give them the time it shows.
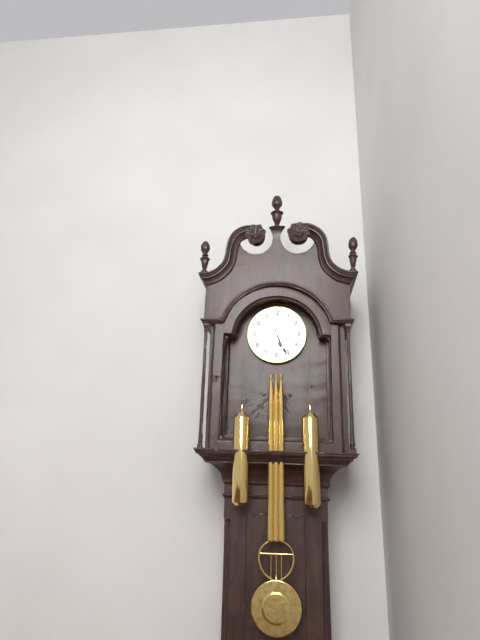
5:26
